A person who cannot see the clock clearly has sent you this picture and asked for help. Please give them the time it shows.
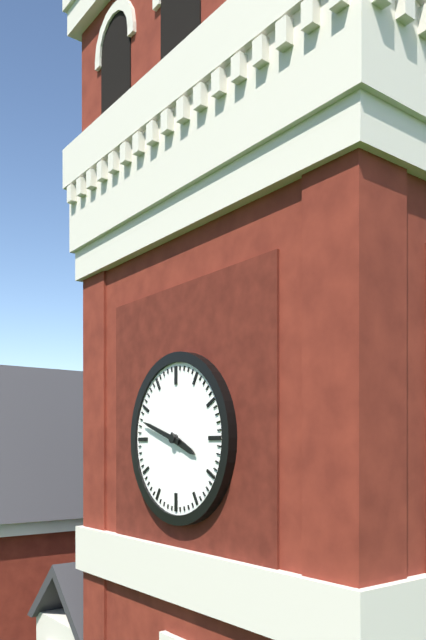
3:48
